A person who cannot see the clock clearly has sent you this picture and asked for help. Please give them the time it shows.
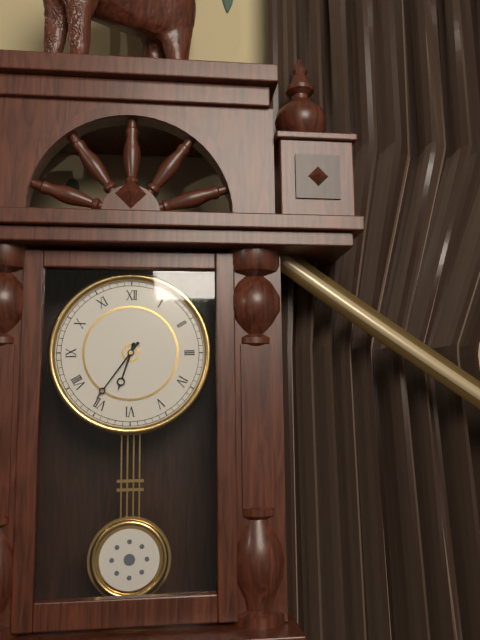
6:36
